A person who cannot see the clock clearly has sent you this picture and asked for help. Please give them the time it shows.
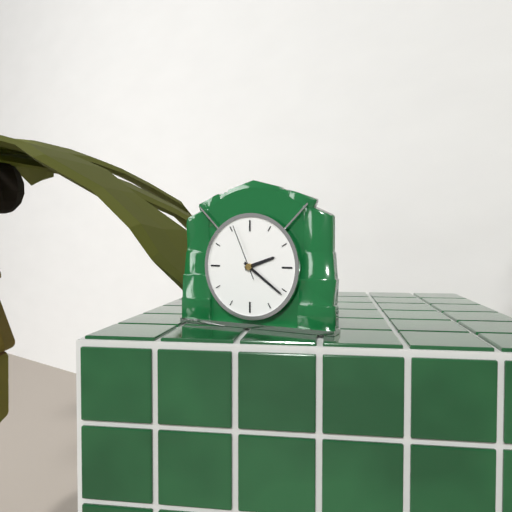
2:21:56
